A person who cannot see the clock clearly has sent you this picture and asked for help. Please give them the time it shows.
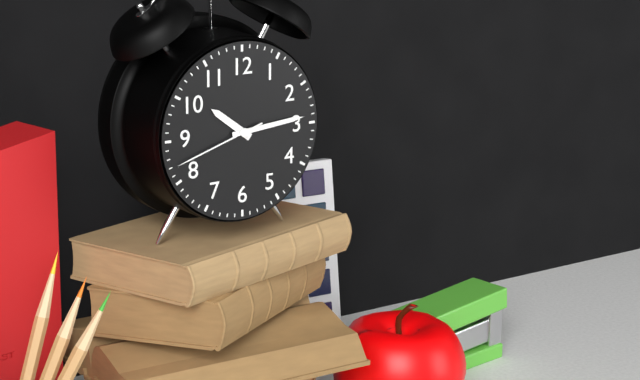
10:14:42
